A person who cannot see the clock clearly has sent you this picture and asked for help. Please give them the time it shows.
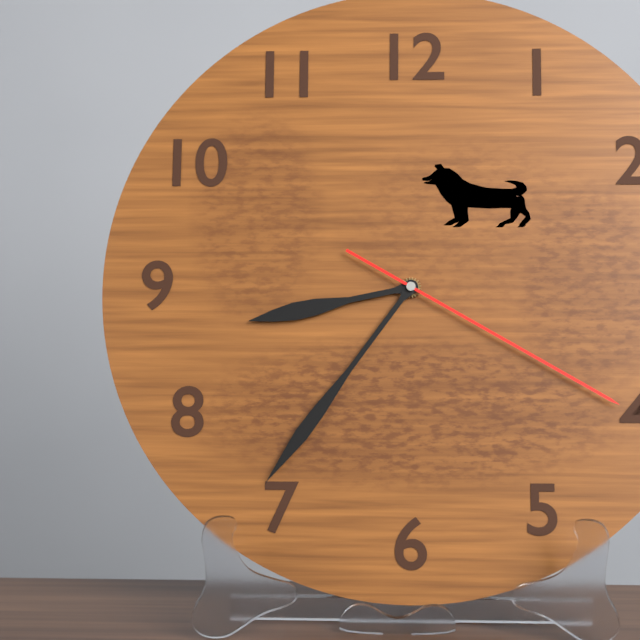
8:36:20
